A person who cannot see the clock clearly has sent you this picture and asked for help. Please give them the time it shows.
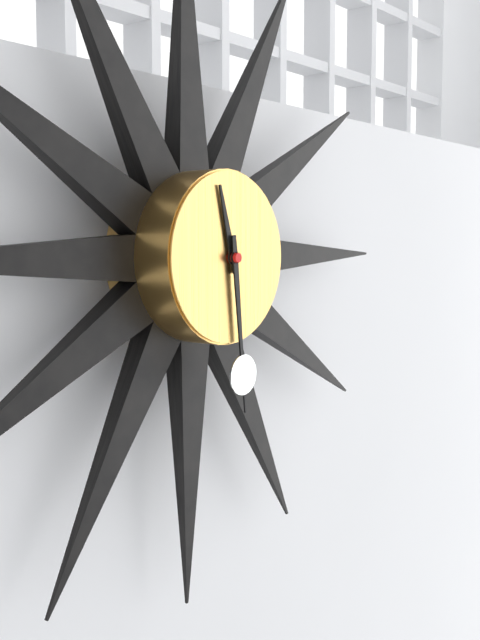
11:29
